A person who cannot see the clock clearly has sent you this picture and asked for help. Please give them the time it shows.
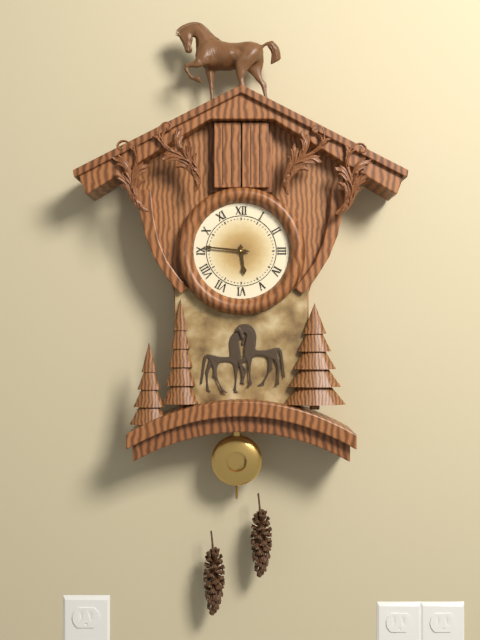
5:46
